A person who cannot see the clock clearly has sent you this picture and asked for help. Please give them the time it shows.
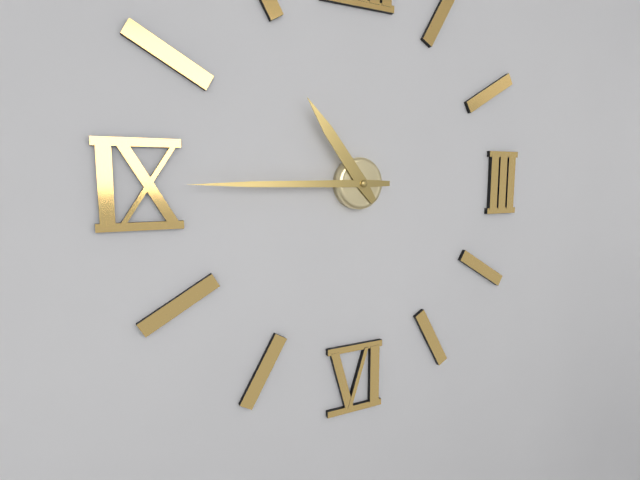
10:45
